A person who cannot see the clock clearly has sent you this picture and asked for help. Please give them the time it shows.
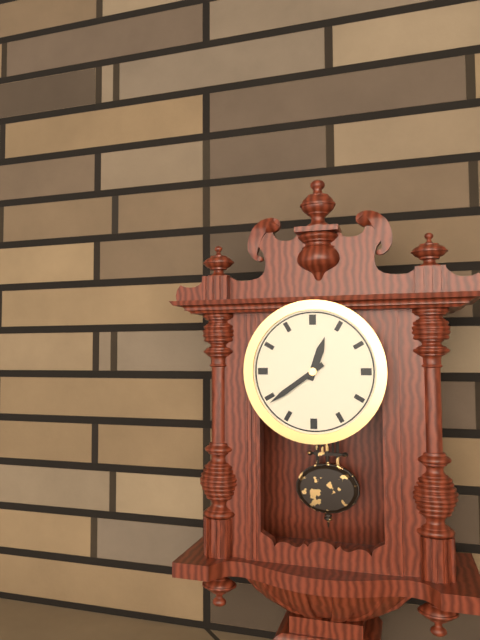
12:39
